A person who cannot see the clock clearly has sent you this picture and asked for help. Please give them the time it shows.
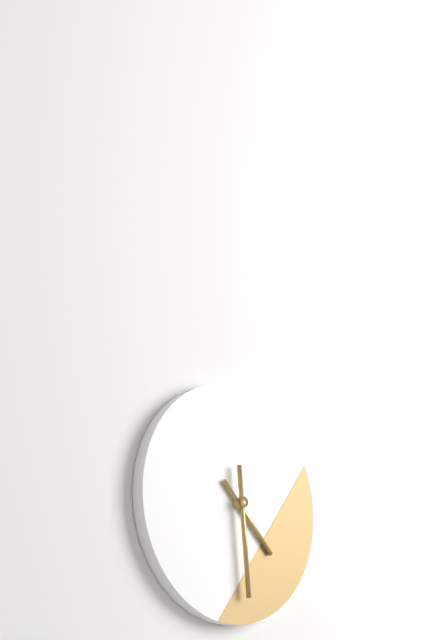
4:29
